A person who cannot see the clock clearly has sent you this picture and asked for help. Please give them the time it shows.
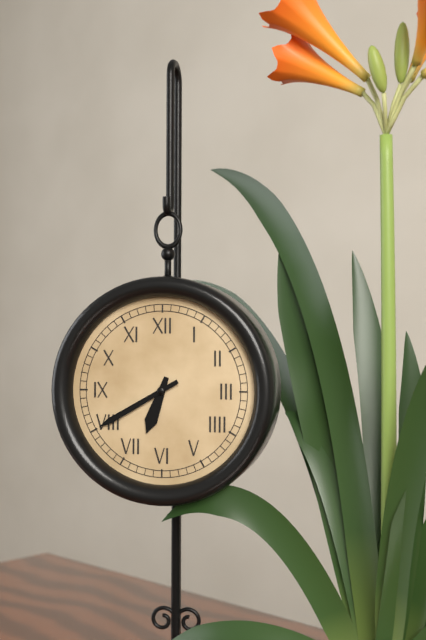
6:40
